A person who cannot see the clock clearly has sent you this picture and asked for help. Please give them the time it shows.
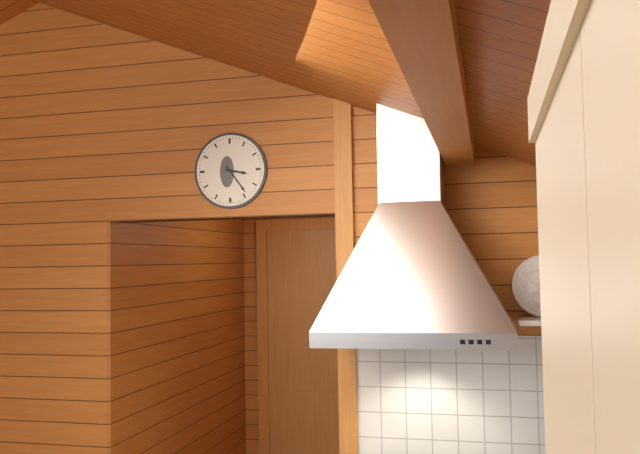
3:24
